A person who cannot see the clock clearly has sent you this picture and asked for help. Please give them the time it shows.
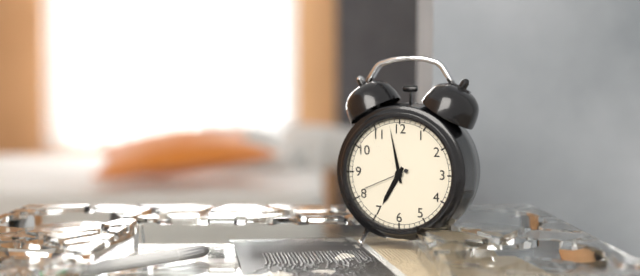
6:58
